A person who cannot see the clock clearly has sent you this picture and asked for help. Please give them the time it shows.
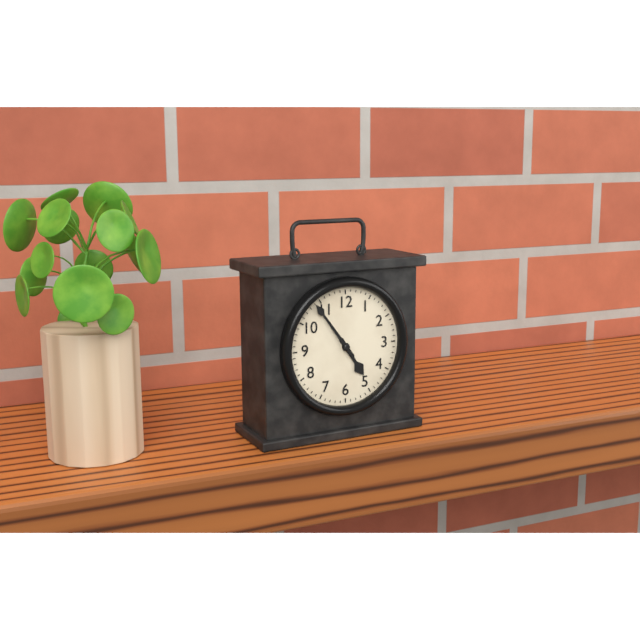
4:54
